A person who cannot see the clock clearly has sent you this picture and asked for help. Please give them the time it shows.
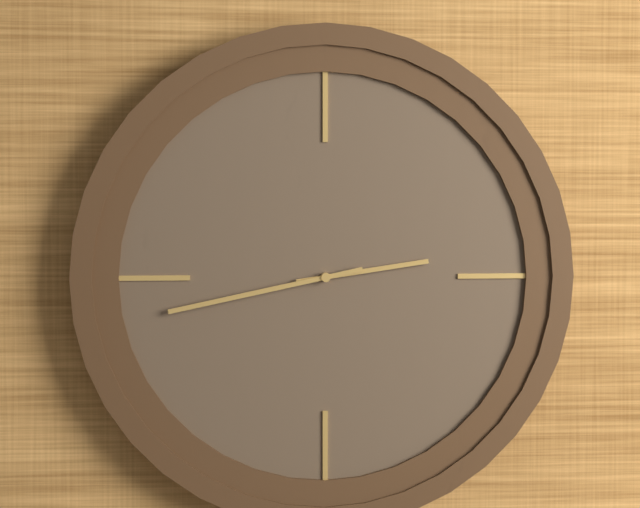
2:43
